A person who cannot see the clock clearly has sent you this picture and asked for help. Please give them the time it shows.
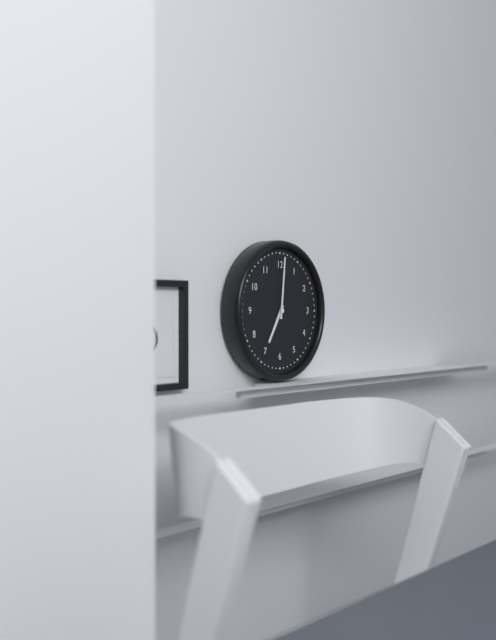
7:01
